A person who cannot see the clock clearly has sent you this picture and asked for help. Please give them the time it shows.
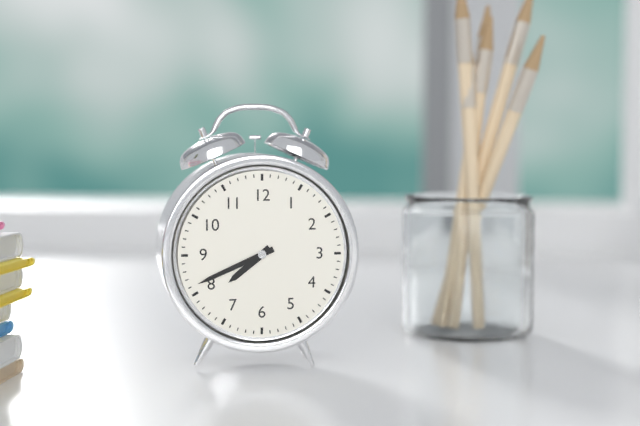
7:41
